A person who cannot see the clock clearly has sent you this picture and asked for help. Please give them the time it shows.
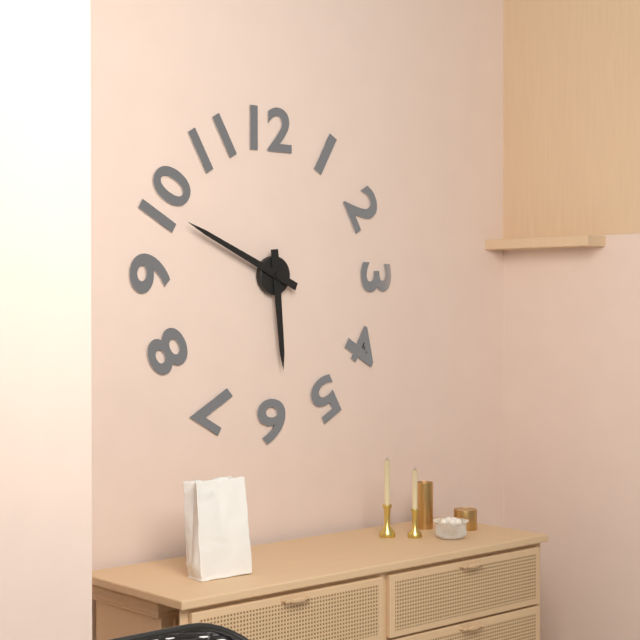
5:49
